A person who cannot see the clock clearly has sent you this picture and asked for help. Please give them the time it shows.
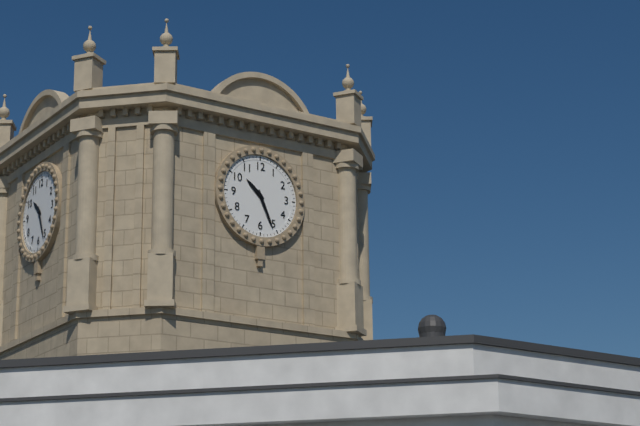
10:26
